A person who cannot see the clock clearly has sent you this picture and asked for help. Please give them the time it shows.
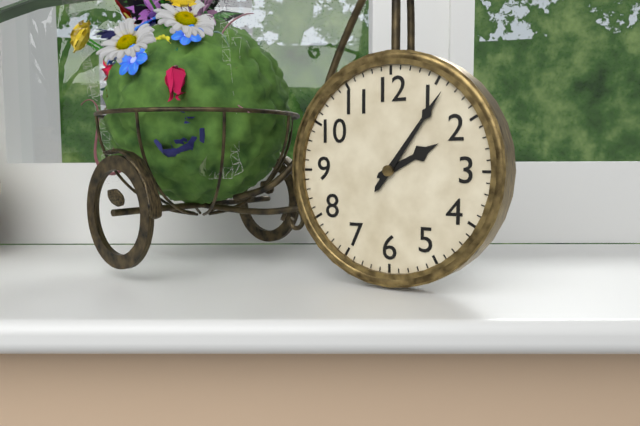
2:06
